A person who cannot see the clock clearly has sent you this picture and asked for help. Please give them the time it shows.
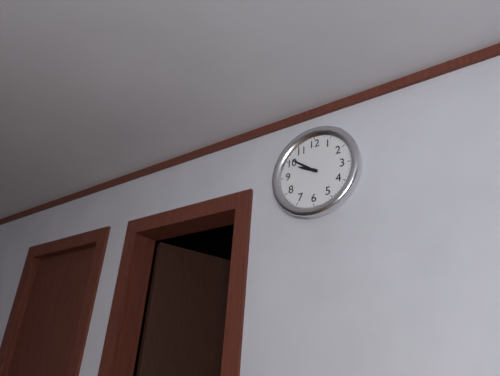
9:51
